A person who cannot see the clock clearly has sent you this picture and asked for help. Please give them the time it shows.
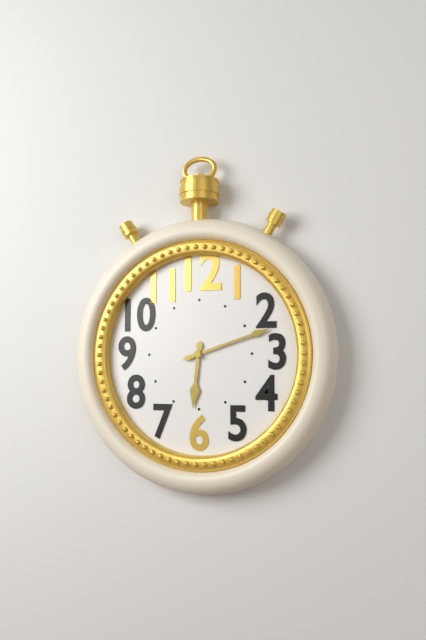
6:12
